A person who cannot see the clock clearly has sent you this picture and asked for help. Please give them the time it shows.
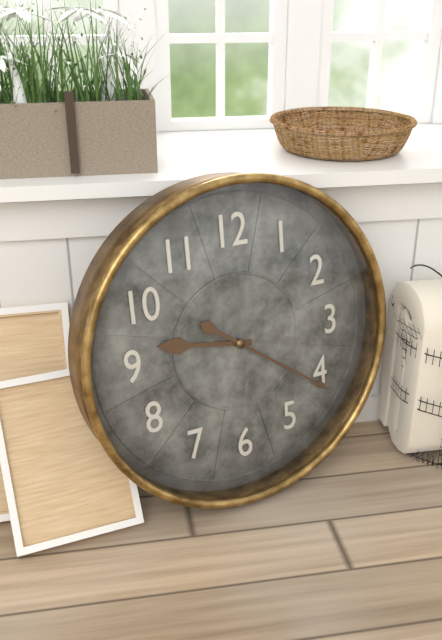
9:21
